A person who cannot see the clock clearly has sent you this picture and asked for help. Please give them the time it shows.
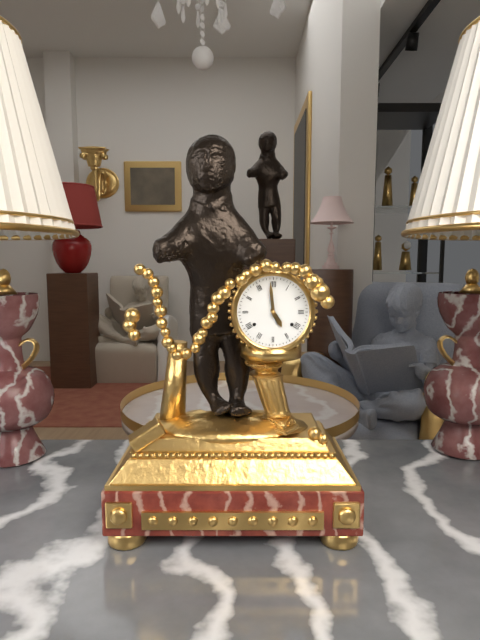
4:59
